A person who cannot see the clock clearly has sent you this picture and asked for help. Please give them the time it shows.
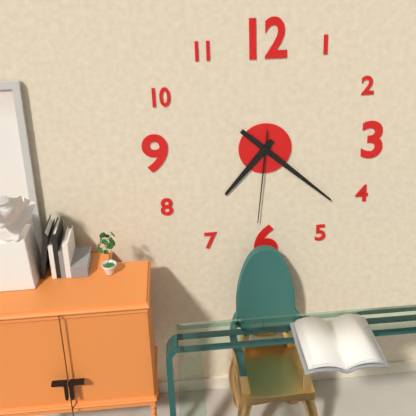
7:22:31
